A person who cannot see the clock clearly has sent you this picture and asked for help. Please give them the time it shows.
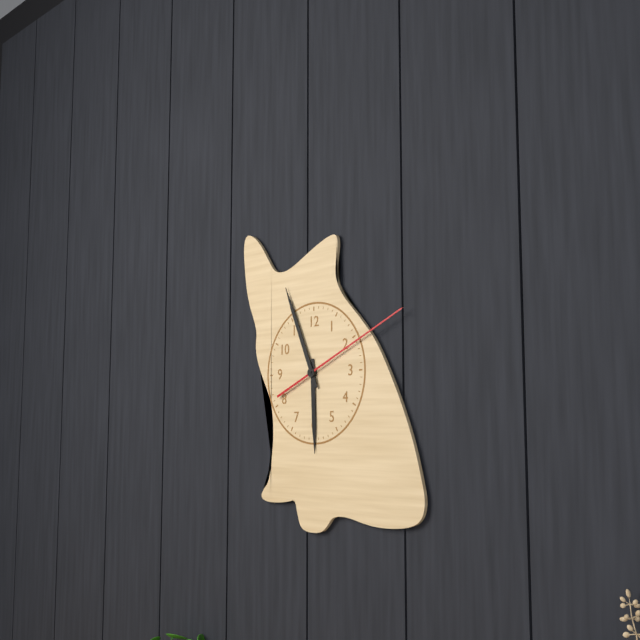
5:56:11
